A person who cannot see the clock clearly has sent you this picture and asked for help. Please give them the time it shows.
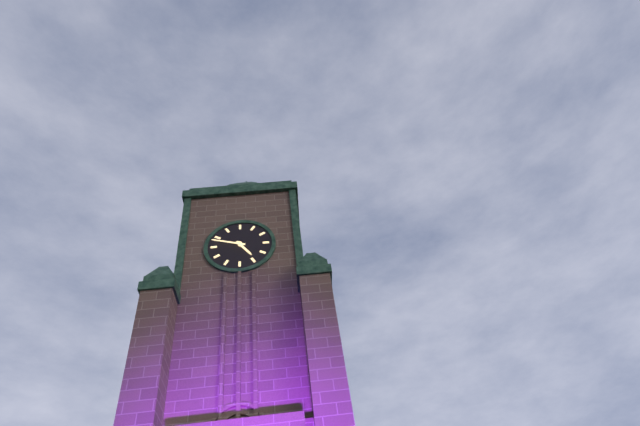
4:48
